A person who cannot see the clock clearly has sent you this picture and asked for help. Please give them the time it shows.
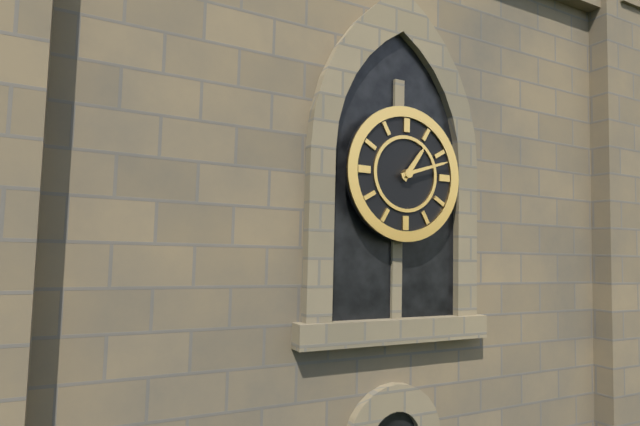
1:12
